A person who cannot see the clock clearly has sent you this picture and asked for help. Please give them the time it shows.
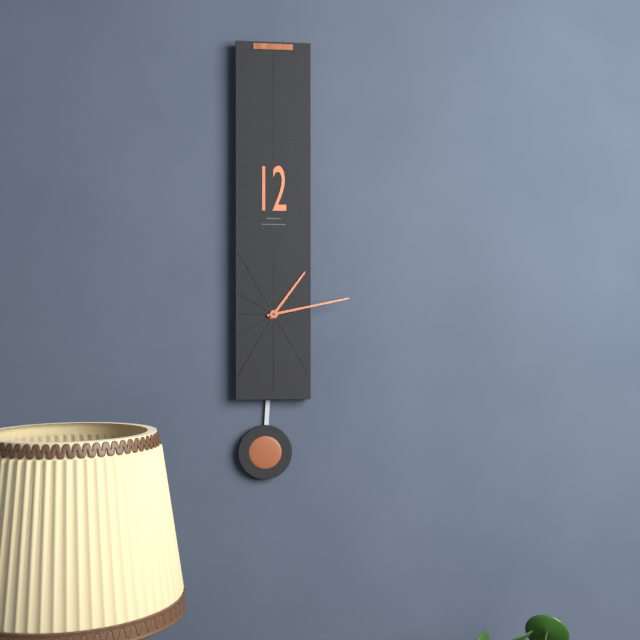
1:13
